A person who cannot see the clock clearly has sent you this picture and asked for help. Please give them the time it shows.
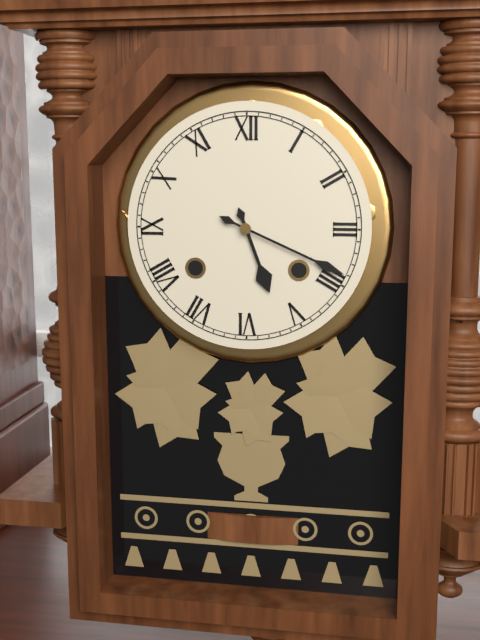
5:19
